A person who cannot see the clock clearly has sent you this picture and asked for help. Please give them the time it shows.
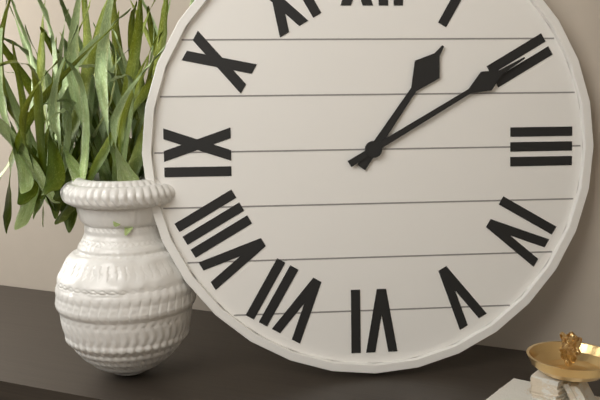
1:10
